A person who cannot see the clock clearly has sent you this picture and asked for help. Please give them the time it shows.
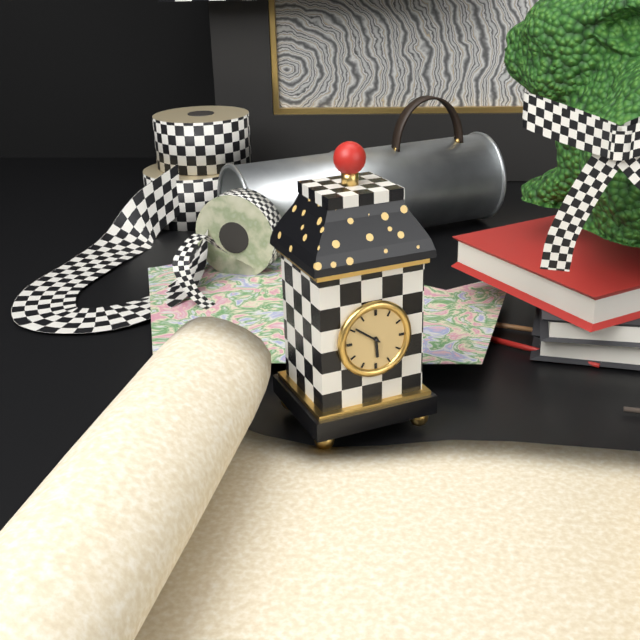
5:51
